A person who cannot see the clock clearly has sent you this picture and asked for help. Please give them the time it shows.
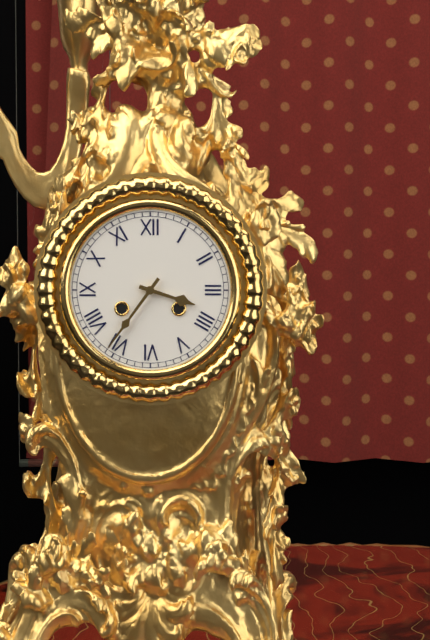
3:36
